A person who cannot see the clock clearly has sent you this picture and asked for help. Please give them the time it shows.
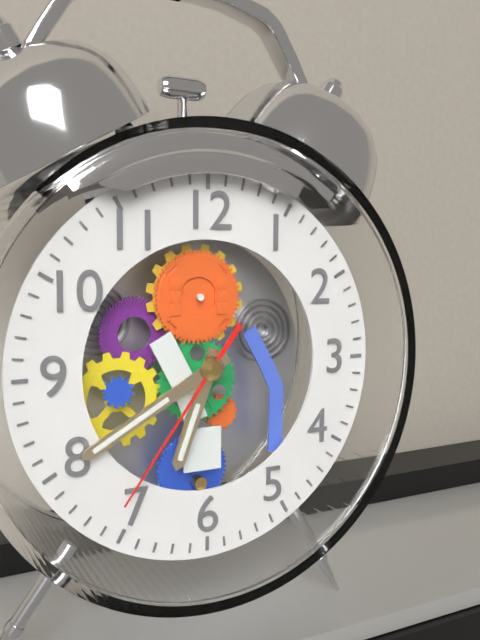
6:40:36
